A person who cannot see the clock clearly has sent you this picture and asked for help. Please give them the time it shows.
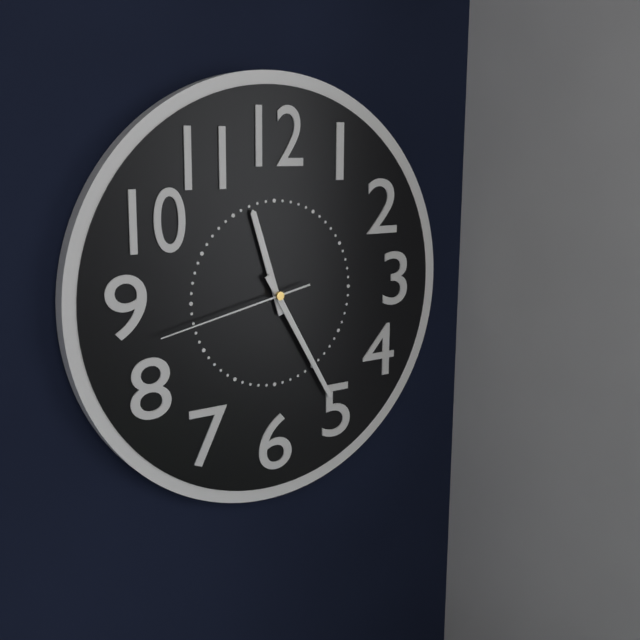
11:25:43
